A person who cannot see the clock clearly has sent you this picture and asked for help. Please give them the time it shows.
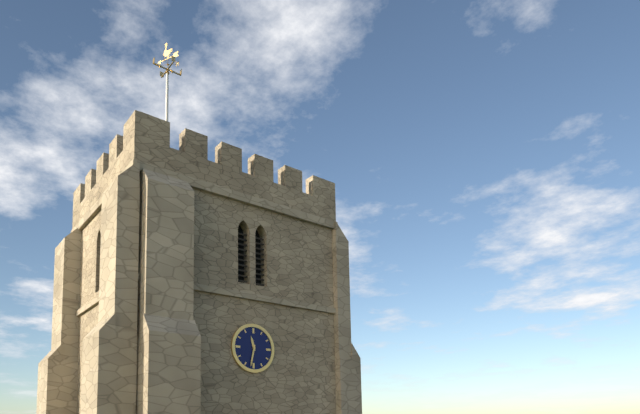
11:32
